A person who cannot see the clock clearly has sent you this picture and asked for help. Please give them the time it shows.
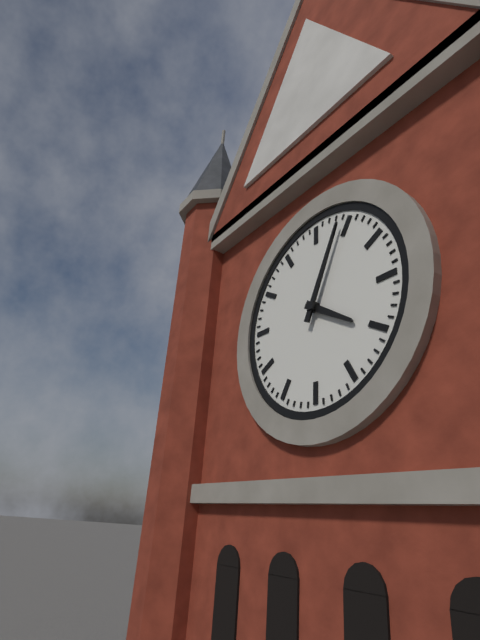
4:04
